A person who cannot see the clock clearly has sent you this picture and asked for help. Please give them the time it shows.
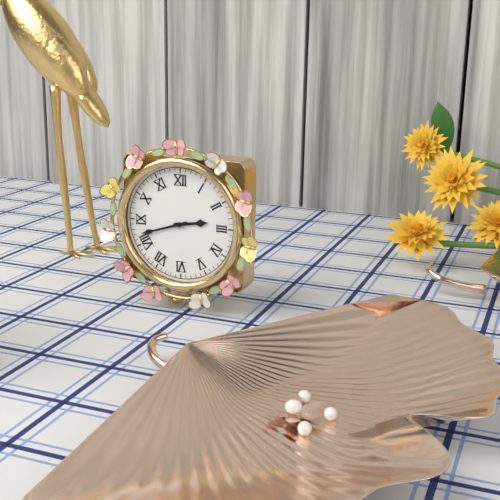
2:42
